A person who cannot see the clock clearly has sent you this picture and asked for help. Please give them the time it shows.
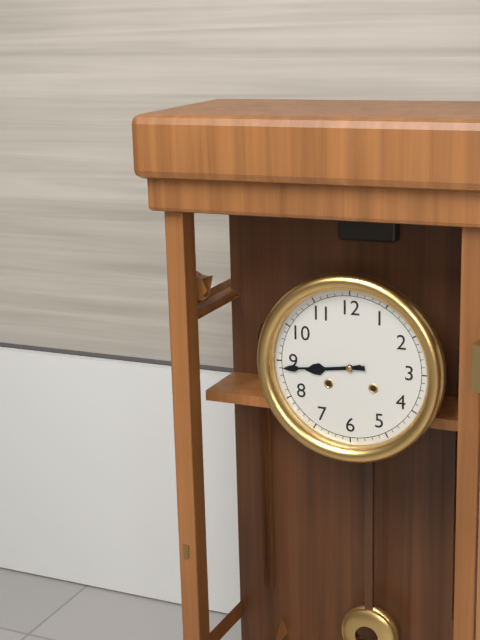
8:44
